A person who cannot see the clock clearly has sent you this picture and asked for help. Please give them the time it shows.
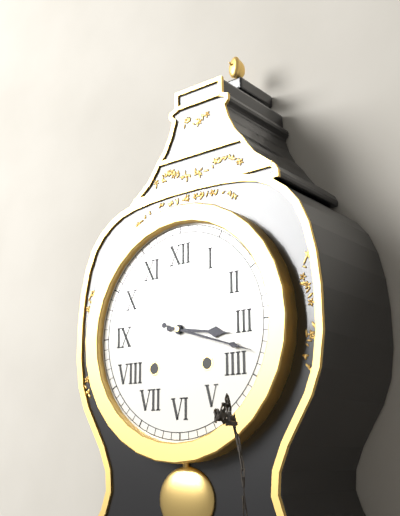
3:18
